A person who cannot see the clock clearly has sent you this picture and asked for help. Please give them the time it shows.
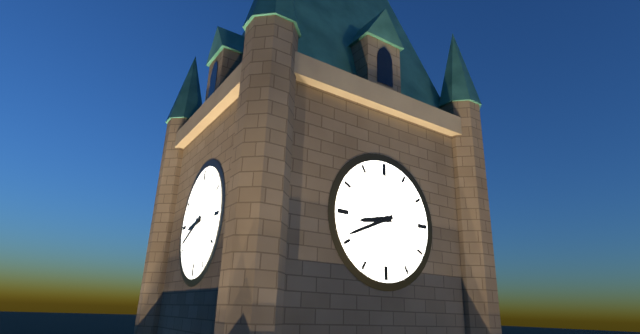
8:41
